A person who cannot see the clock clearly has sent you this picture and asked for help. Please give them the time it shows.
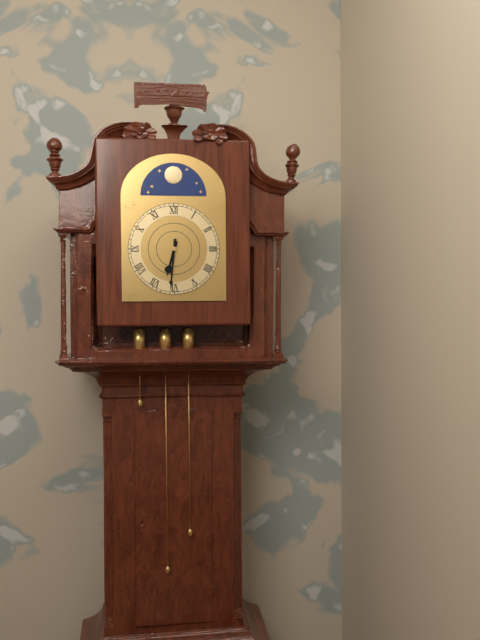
6:31
